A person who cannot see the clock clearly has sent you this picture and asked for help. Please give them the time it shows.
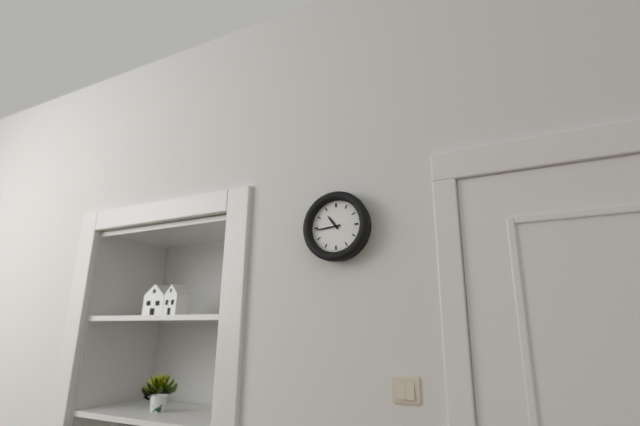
10:44
